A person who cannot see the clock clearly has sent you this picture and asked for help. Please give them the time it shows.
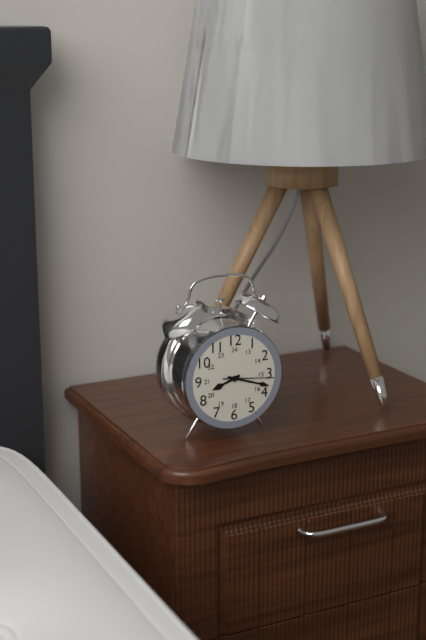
8:18
